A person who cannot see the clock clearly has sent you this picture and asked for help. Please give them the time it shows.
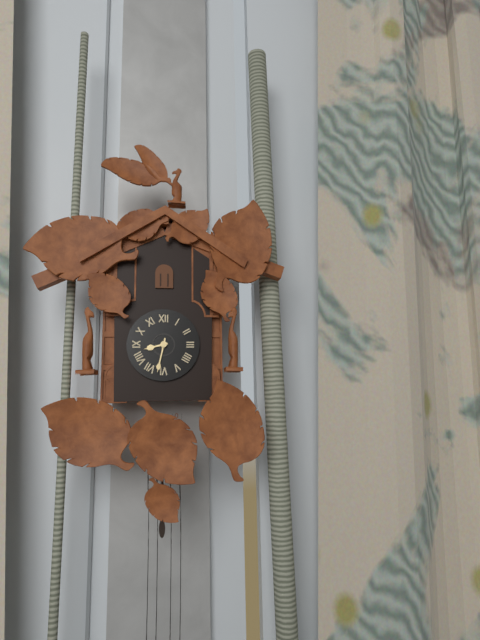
8:32
